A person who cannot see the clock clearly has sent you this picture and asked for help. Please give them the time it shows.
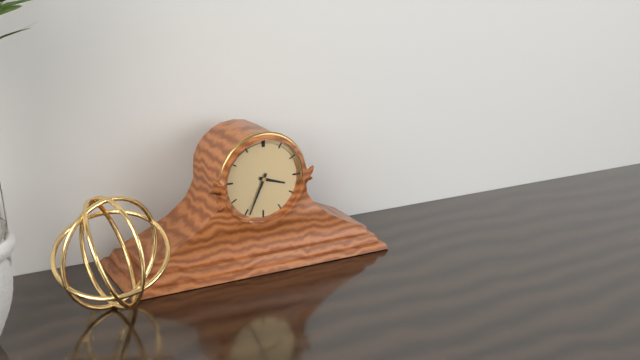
3:34
